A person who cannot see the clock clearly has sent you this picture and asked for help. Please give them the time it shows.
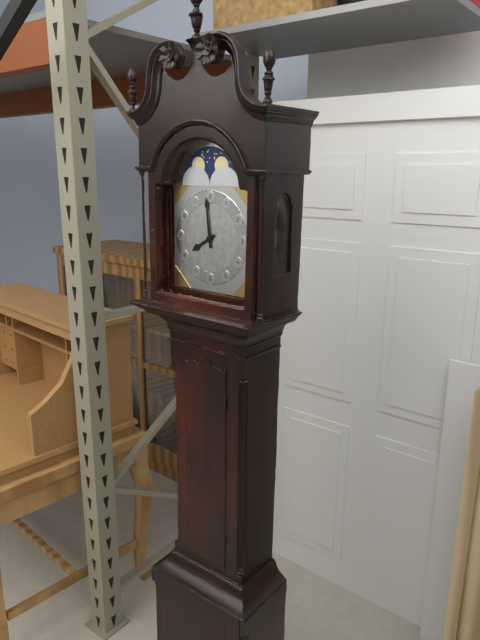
7:59
